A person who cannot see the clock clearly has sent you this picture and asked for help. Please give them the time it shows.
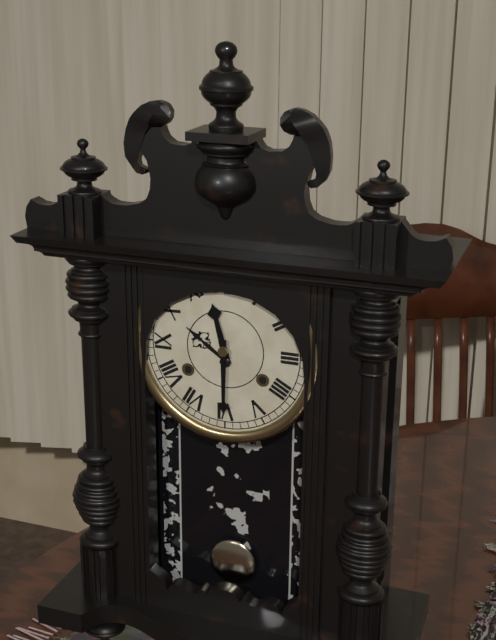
11:30
